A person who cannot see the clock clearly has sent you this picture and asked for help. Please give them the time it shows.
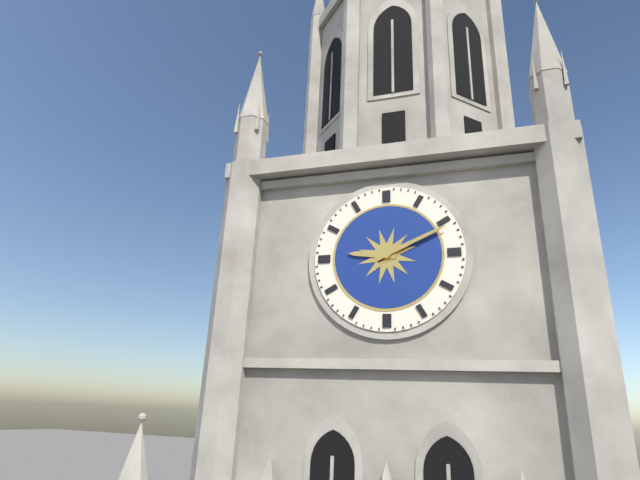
9:11
